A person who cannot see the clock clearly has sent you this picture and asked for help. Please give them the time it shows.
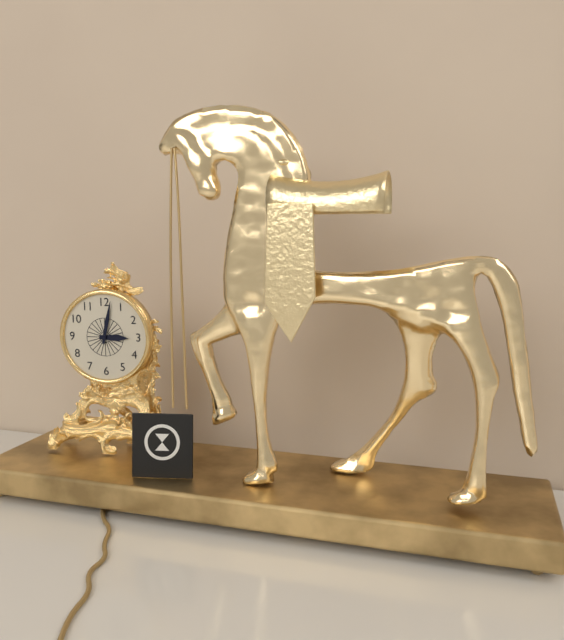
3:02
